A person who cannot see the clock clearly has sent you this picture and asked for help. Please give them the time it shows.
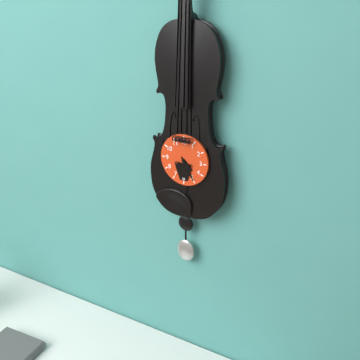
4:25
